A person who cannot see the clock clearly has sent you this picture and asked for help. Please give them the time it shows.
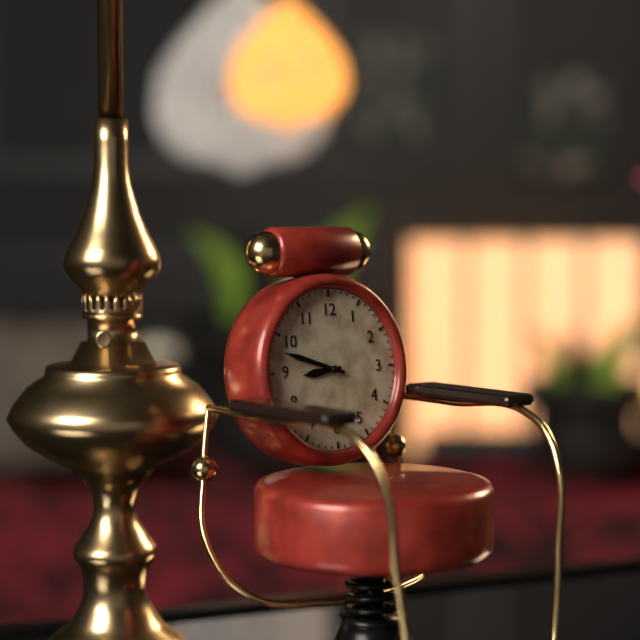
8:48
